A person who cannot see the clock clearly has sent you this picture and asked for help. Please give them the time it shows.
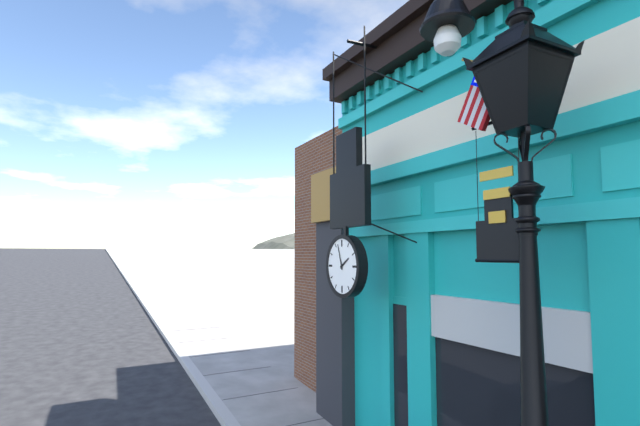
1:57
